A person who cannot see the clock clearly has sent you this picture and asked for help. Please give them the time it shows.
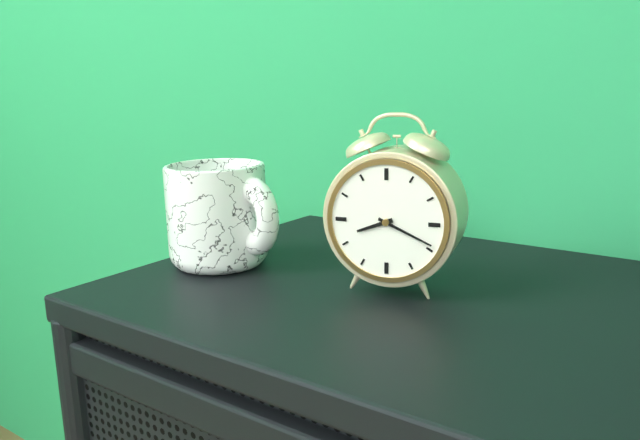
8:19
